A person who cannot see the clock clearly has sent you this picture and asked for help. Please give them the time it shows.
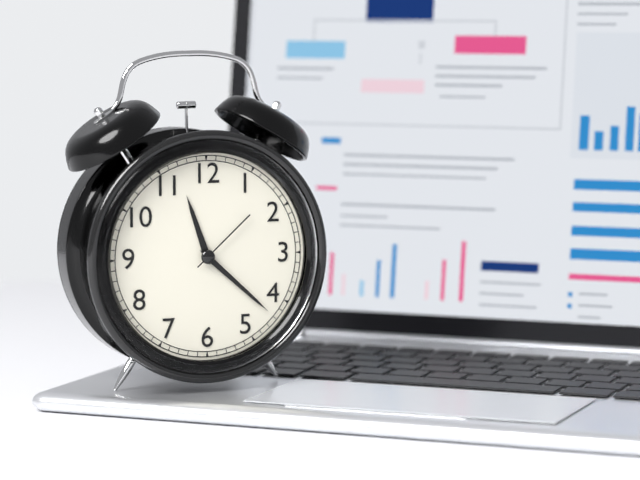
11:22:08
